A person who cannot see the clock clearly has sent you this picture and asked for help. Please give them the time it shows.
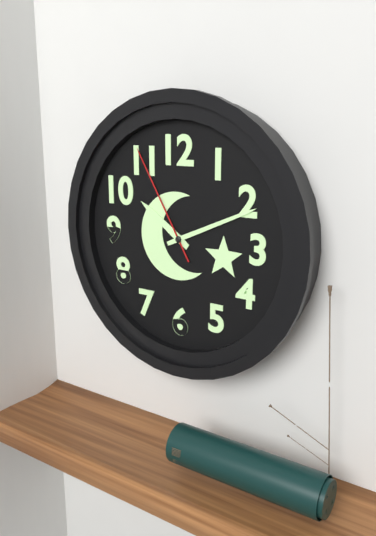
10:11:55
